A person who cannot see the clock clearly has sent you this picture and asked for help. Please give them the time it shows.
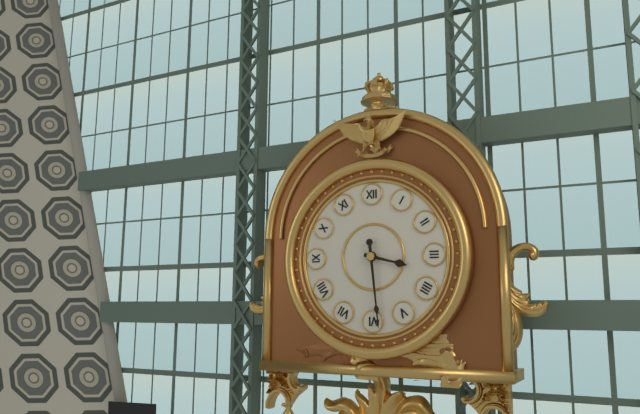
3:29
